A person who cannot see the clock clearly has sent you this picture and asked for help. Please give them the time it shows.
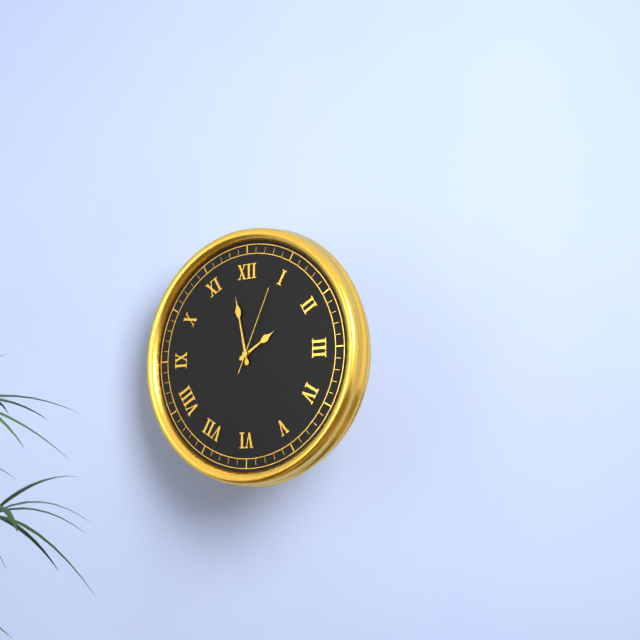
1:58:04
